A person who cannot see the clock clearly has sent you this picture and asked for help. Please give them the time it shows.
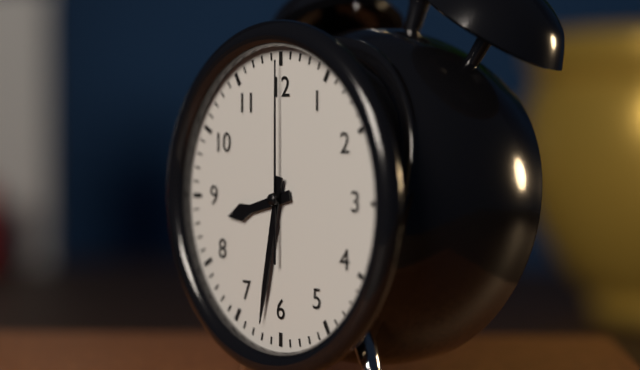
8:32:00
